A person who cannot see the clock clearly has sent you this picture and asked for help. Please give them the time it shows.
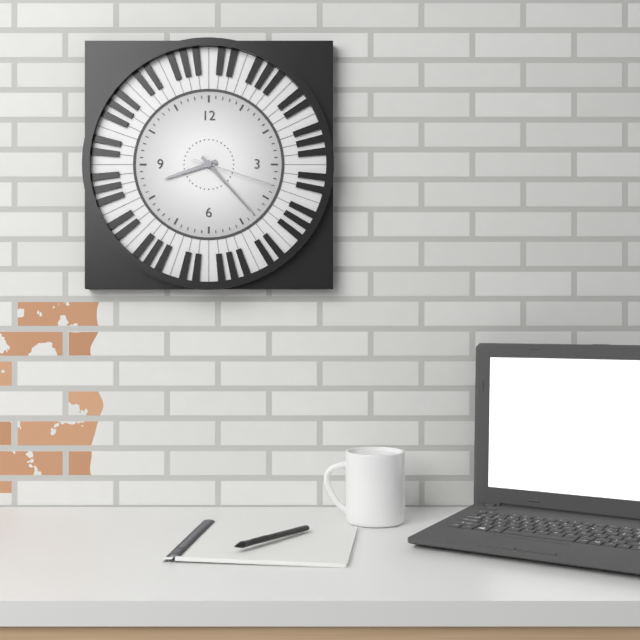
8:23:18
